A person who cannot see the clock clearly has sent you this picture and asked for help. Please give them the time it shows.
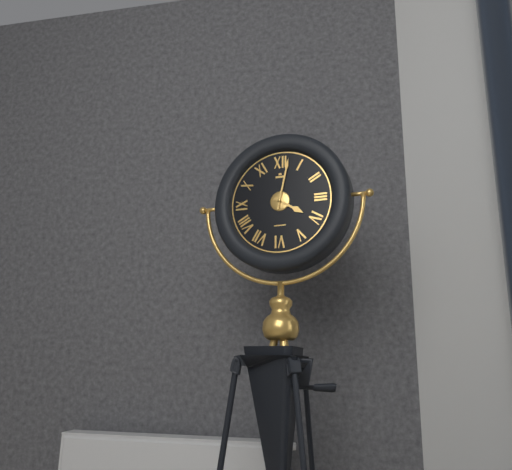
4:02
